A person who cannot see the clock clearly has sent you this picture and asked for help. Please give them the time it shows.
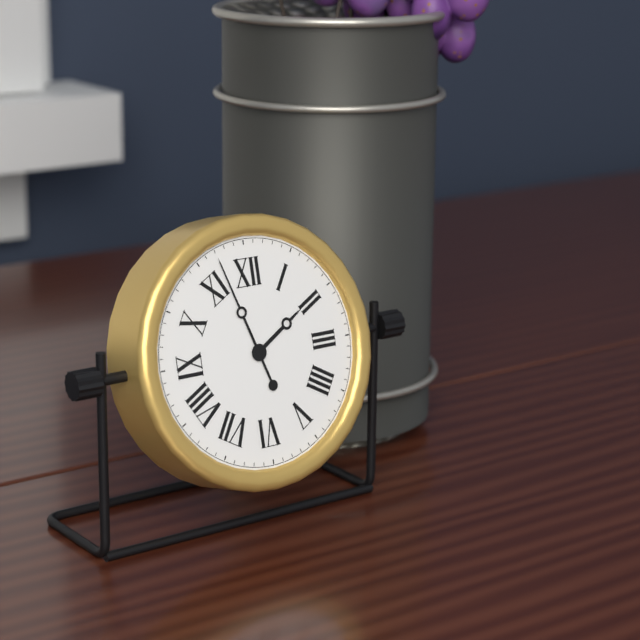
1:57
